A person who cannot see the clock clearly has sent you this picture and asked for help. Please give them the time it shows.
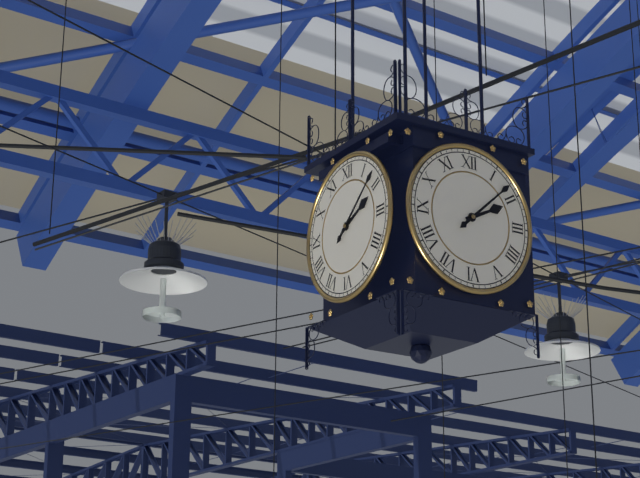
2:08
